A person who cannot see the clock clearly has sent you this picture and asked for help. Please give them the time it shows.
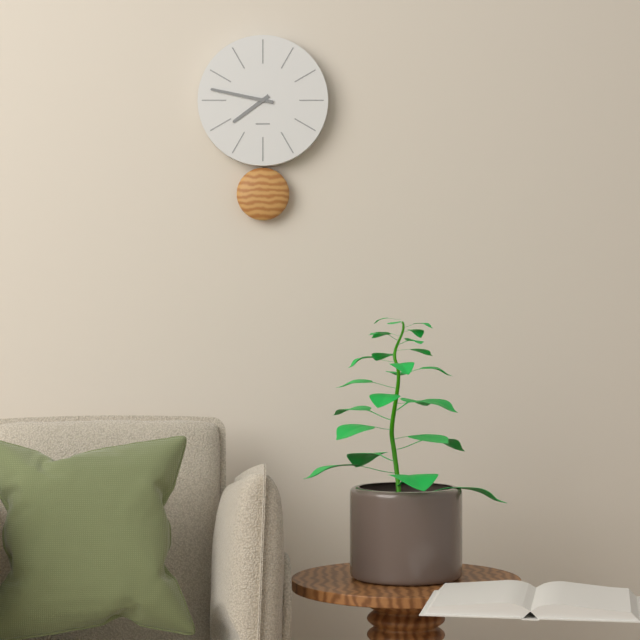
7:47
